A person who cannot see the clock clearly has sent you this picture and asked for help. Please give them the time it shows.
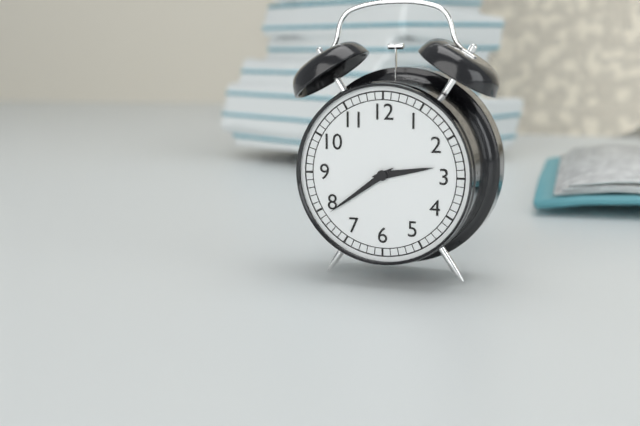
2:39
